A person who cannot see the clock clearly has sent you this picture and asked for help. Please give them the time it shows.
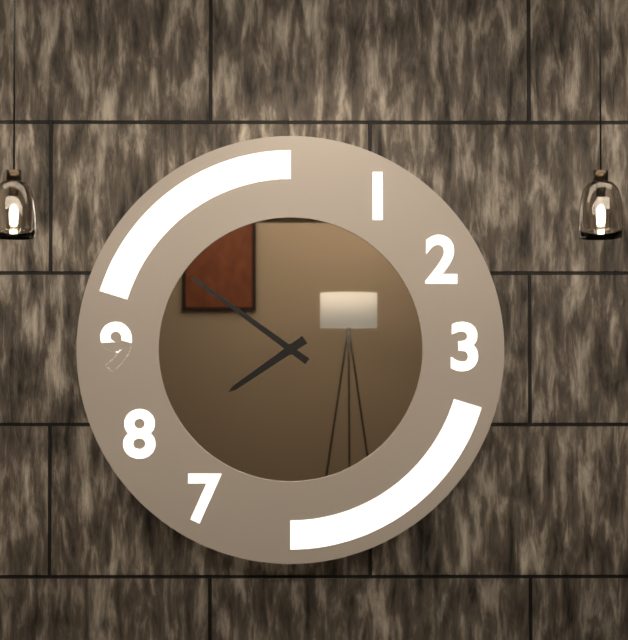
7:51
